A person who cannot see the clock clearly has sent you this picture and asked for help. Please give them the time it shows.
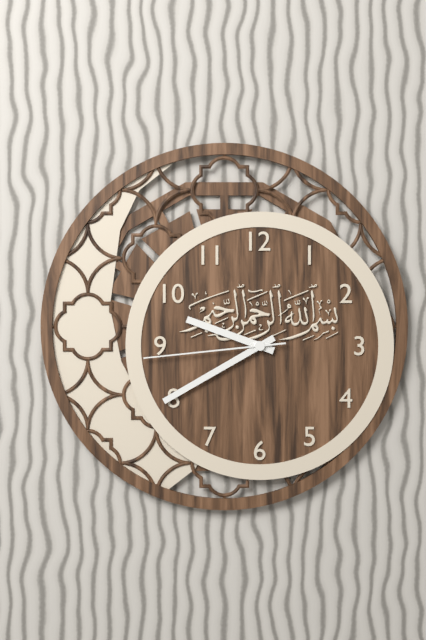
9:40:44
